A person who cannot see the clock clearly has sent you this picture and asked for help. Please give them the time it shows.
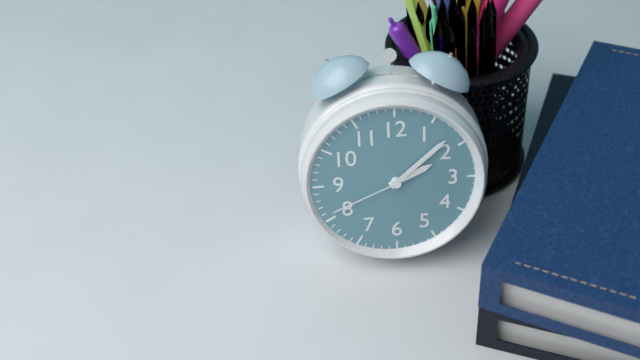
2:08:41
